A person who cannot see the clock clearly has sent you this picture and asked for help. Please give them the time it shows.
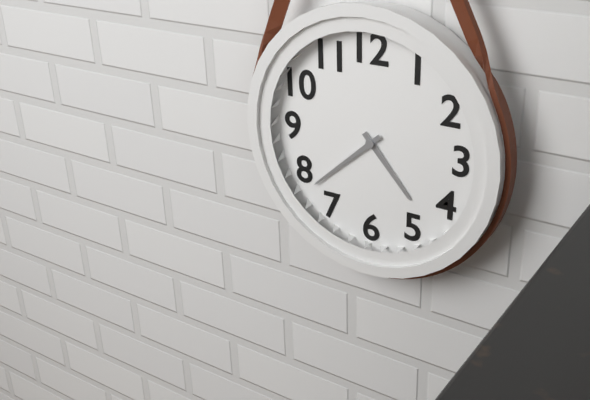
4:38
